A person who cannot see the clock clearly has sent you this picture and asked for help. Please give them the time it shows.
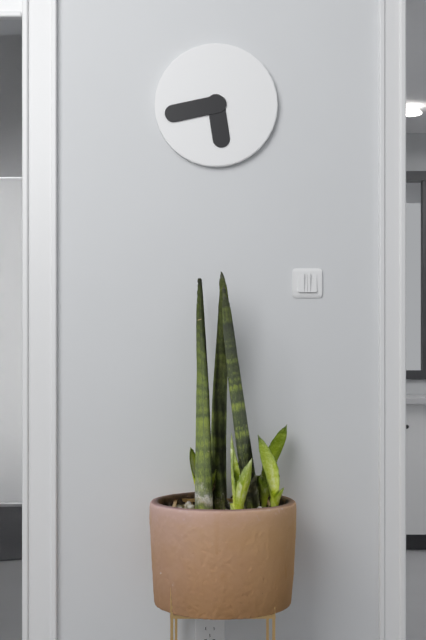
5:43
